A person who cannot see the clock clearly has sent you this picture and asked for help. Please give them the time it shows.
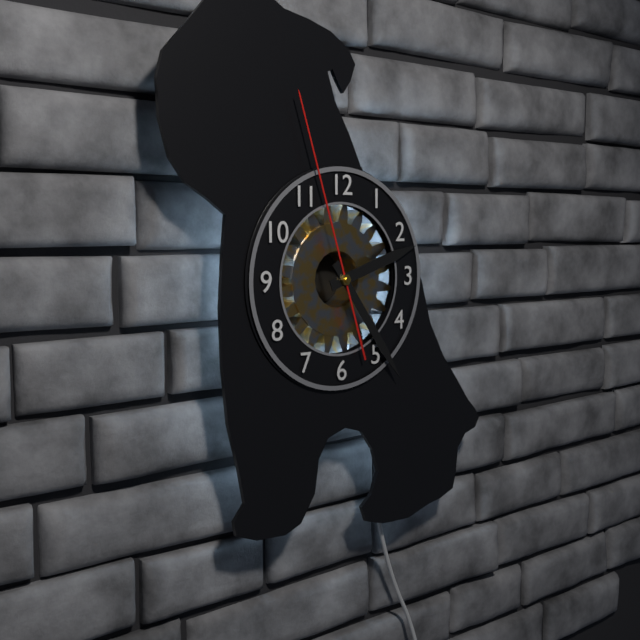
2:24:57
